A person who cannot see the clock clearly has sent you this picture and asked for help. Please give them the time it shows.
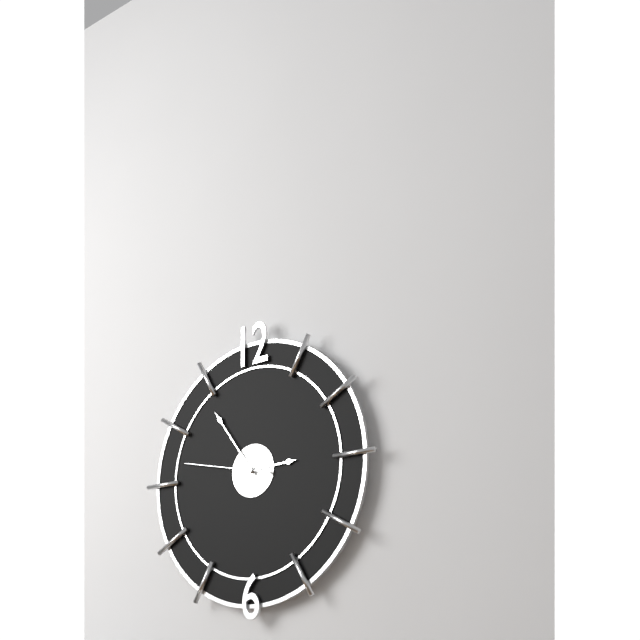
2:54:47
